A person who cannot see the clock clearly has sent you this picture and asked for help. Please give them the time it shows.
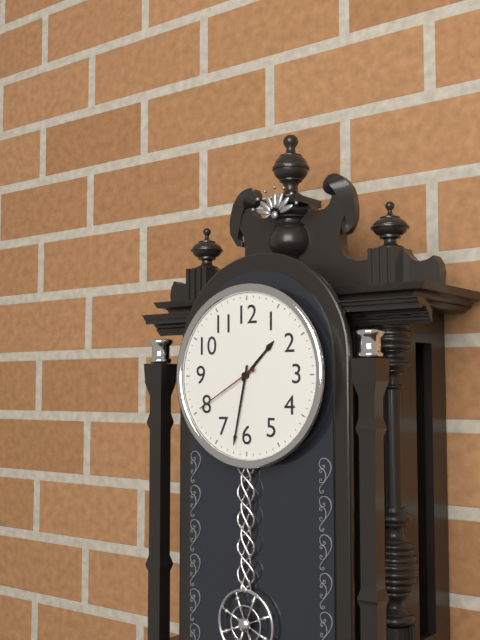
1:32:40
